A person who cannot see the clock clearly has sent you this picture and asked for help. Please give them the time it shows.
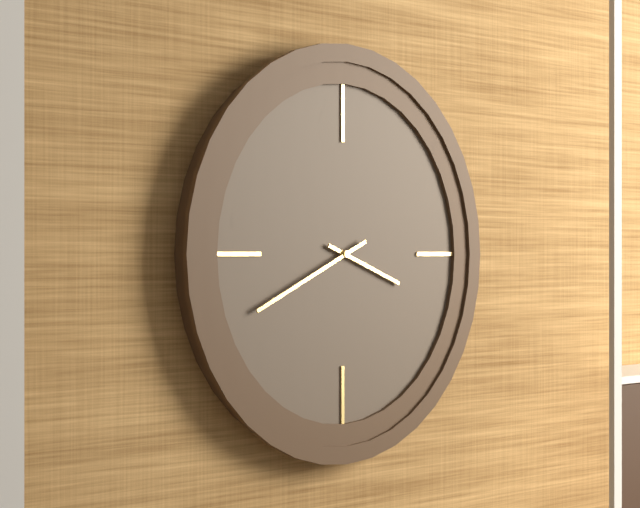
3:41
